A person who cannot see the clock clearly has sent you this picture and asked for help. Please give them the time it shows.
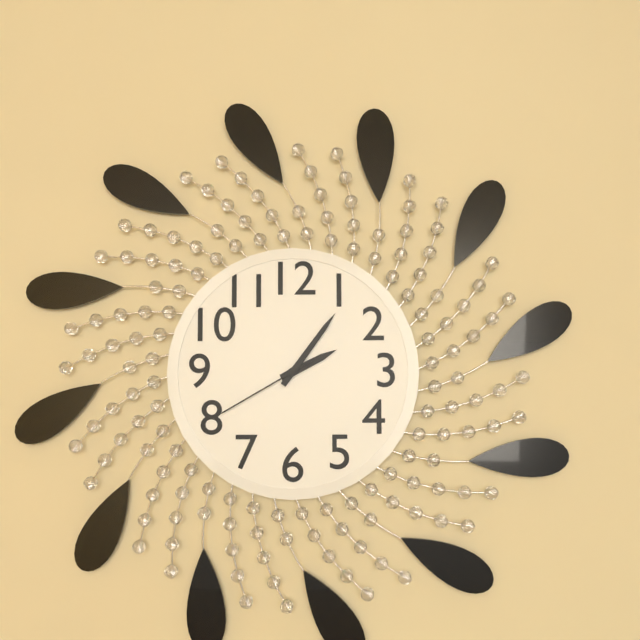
2:06:40
